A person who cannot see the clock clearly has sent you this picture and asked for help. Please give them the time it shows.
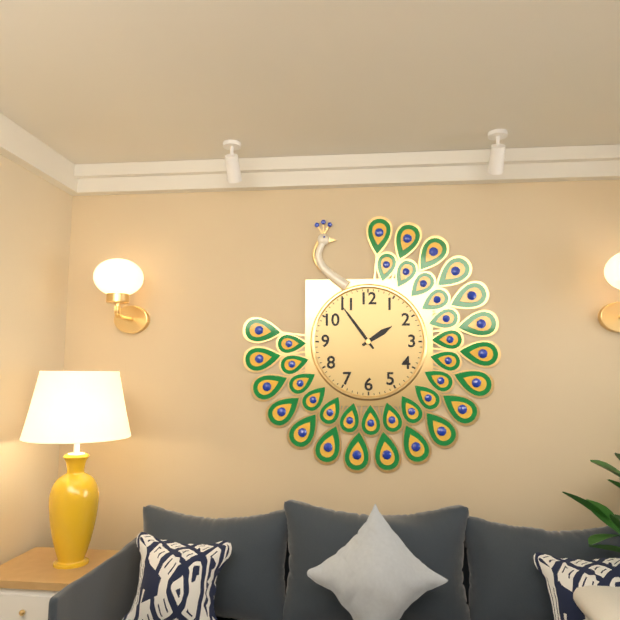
1:54
